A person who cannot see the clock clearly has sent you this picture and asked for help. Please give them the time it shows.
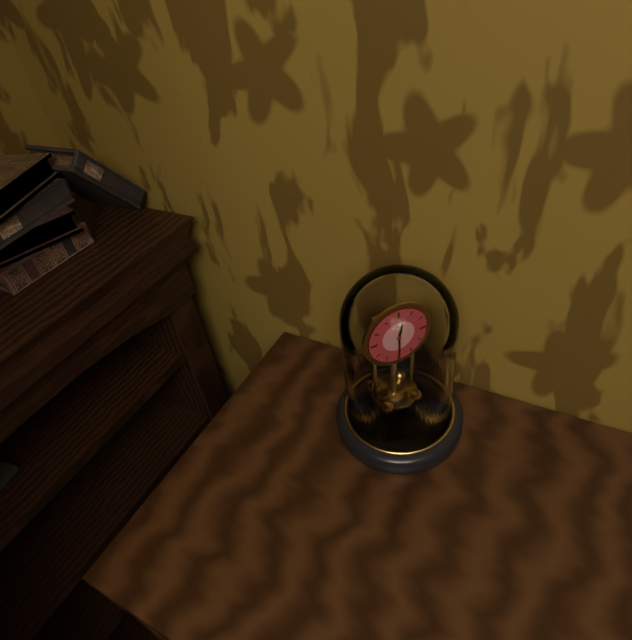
12:30
